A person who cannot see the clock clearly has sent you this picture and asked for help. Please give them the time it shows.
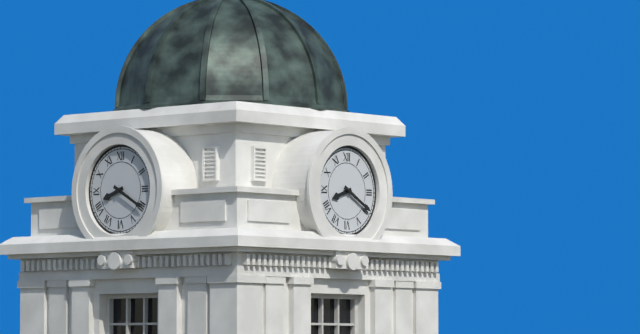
8:20
